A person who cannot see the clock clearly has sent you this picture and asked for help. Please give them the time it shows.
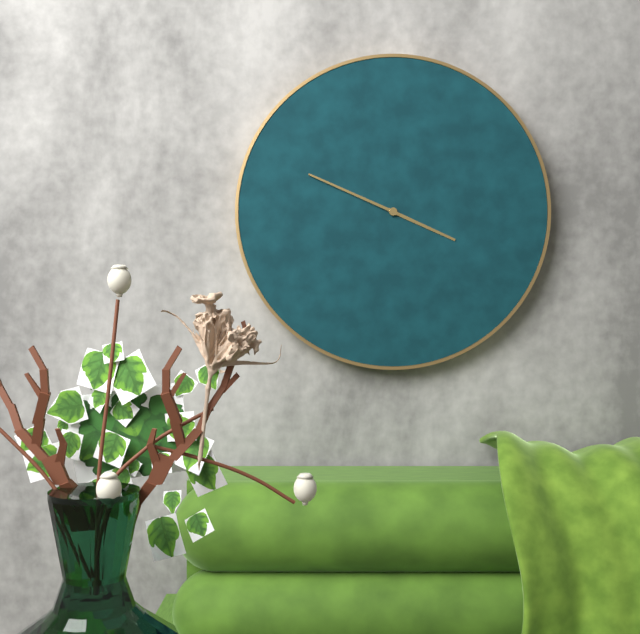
3:49
